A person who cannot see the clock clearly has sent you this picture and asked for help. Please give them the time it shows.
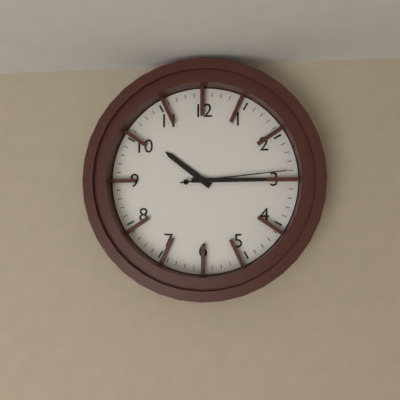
10:15:14
